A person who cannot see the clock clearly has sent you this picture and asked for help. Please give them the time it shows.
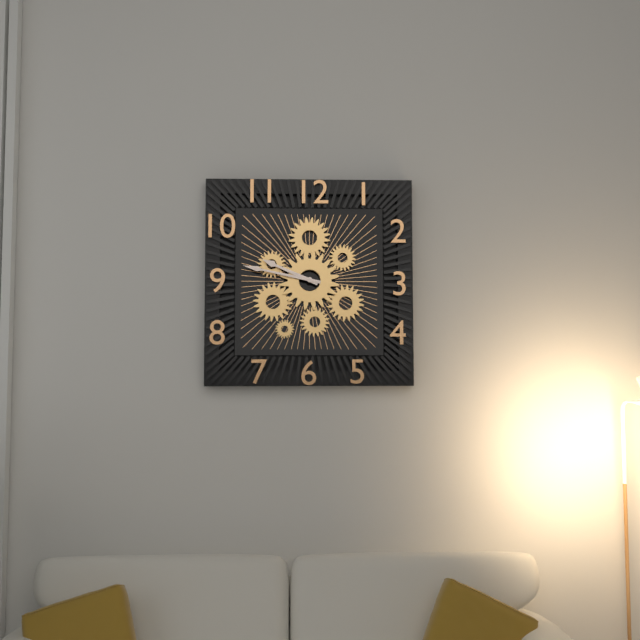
9:47
